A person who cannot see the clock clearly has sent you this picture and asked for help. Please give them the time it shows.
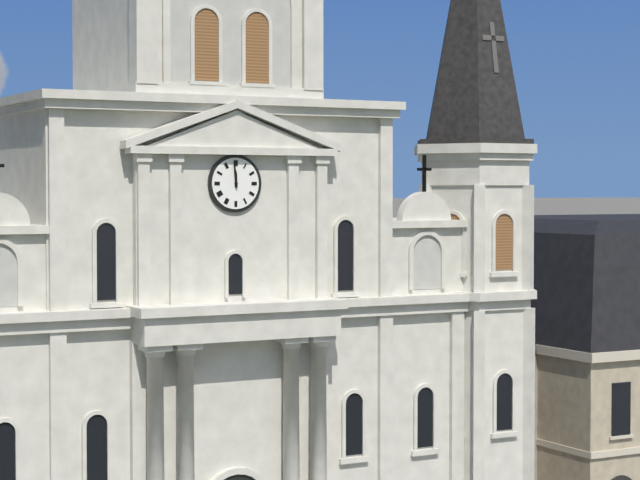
11:59
